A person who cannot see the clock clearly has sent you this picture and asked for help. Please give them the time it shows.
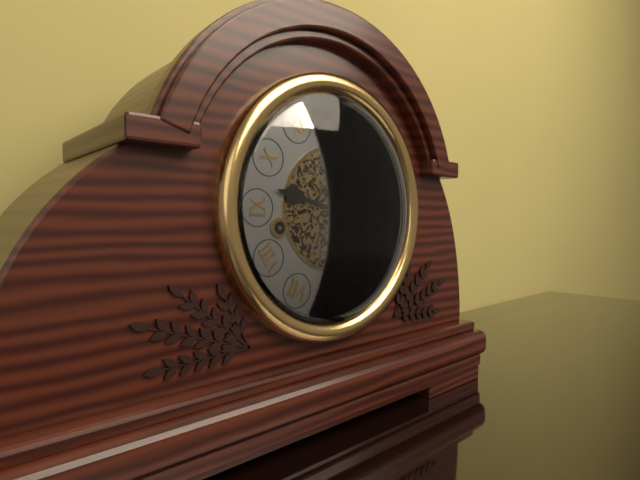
9:27
